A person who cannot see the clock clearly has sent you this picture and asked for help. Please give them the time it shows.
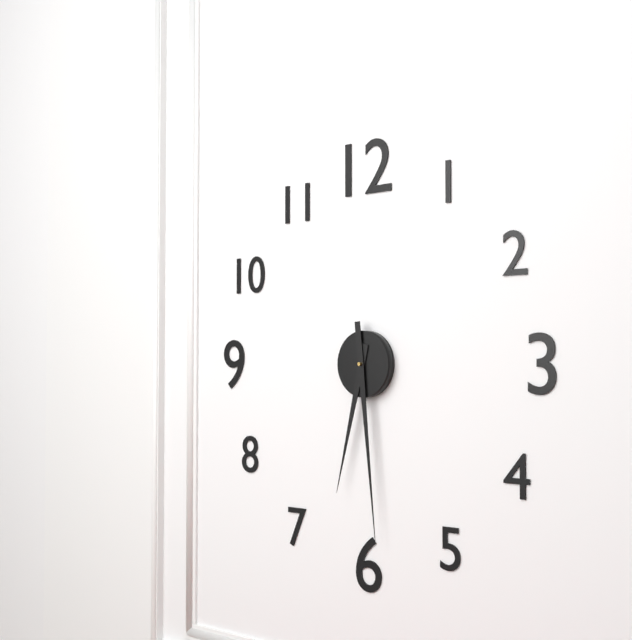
6:29
